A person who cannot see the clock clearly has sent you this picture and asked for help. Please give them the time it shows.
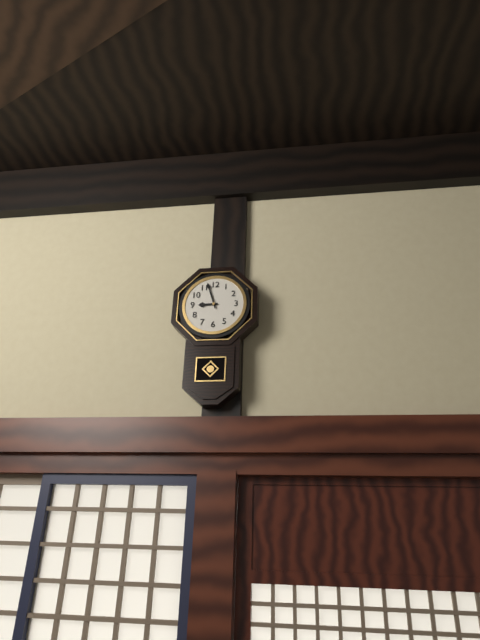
8:57
